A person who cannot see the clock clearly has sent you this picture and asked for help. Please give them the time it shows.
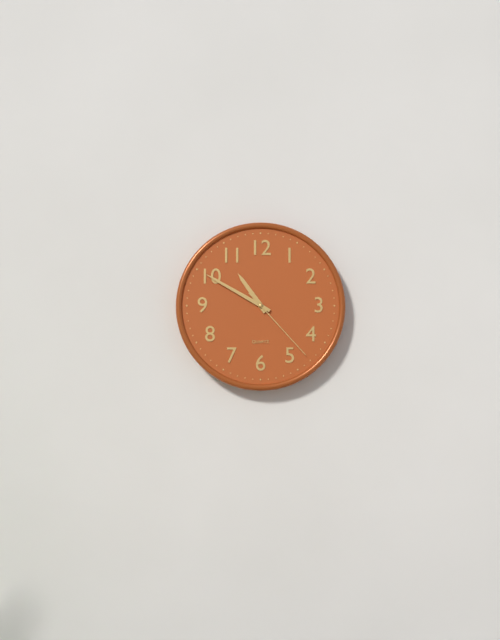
10:50:23
